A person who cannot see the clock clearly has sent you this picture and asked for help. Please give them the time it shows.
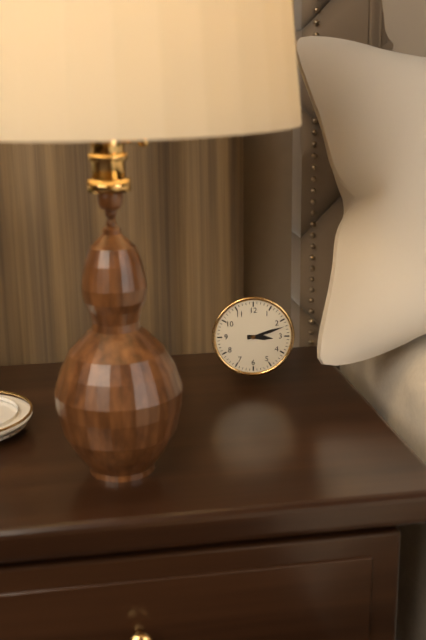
3:12
